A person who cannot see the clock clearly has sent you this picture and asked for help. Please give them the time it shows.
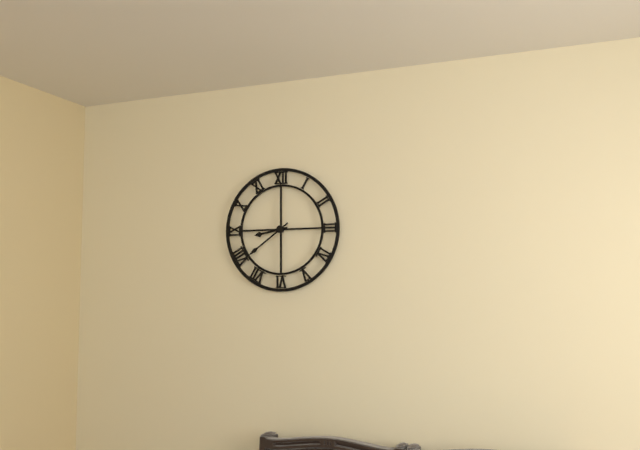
8:39
